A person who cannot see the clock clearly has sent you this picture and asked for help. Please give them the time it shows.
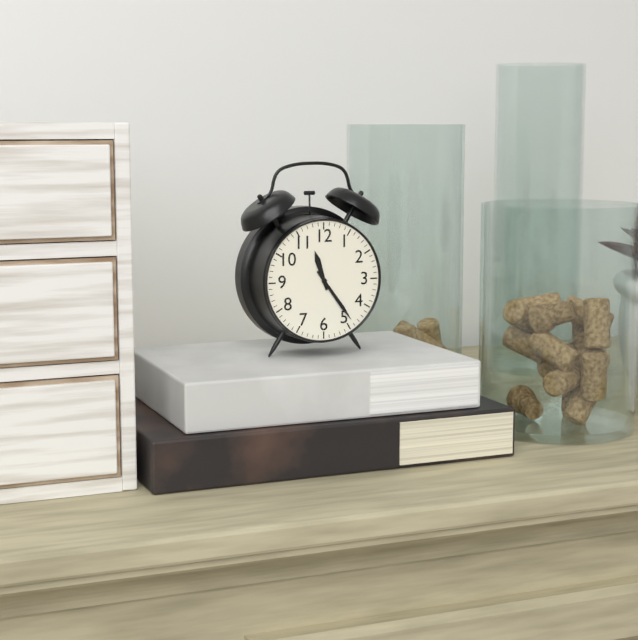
11:24
